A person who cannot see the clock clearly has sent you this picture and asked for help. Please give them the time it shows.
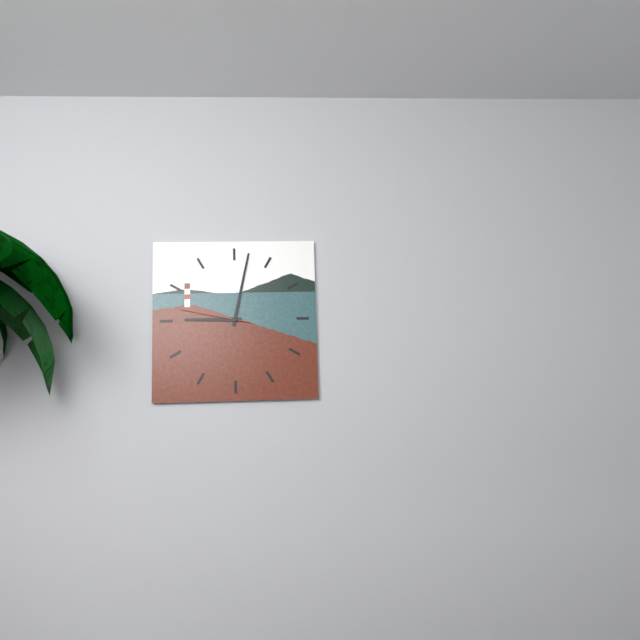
9:02:47
